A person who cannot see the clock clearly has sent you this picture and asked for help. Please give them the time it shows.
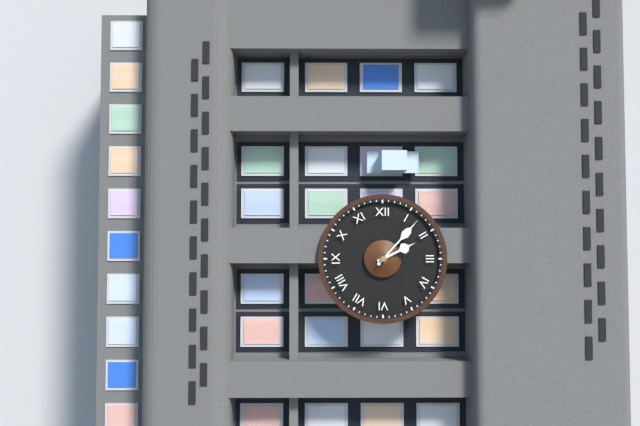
2:07
